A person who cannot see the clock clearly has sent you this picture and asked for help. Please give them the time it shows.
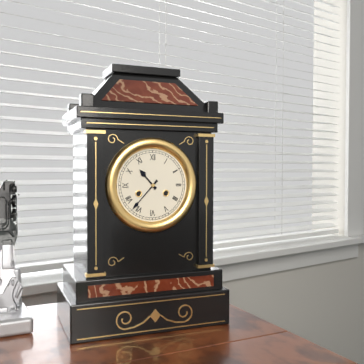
10:37
